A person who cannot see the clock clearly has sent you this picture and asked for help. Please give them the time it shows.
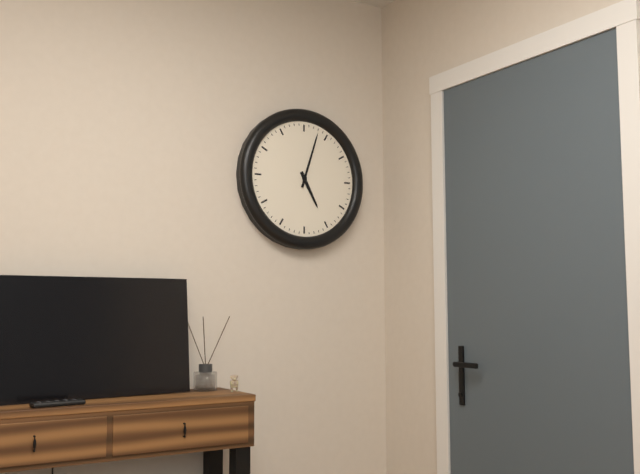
5:03
